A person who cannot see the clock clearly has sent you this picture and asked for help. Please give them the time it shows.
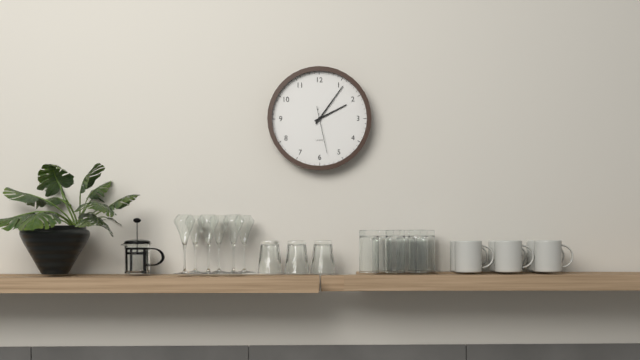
2:06
